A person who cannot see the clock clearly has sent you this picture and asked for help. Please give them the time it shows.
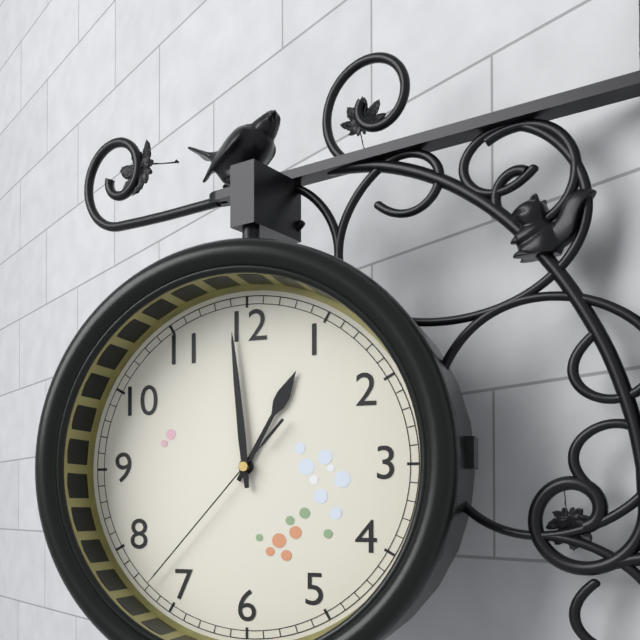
12:59:37
